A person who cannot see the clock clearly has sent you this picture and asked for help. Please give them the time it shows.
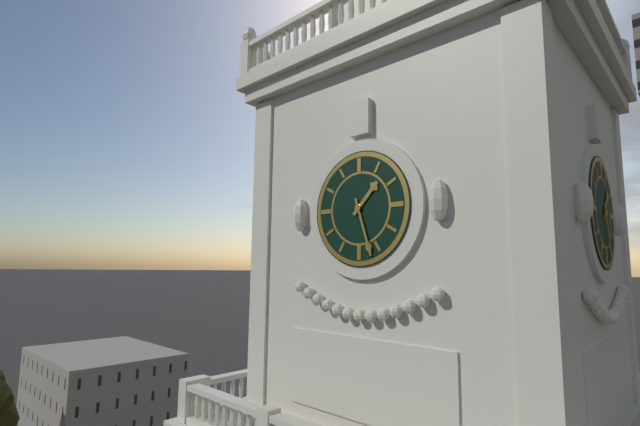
1:27
